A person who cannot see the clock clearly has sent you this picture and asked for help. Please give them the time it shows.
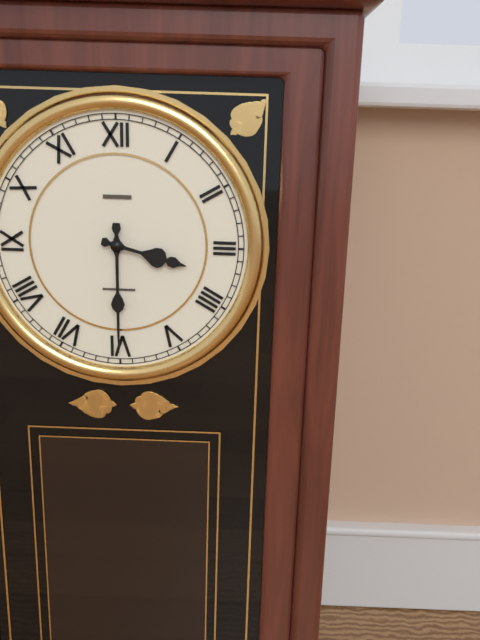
3:30
